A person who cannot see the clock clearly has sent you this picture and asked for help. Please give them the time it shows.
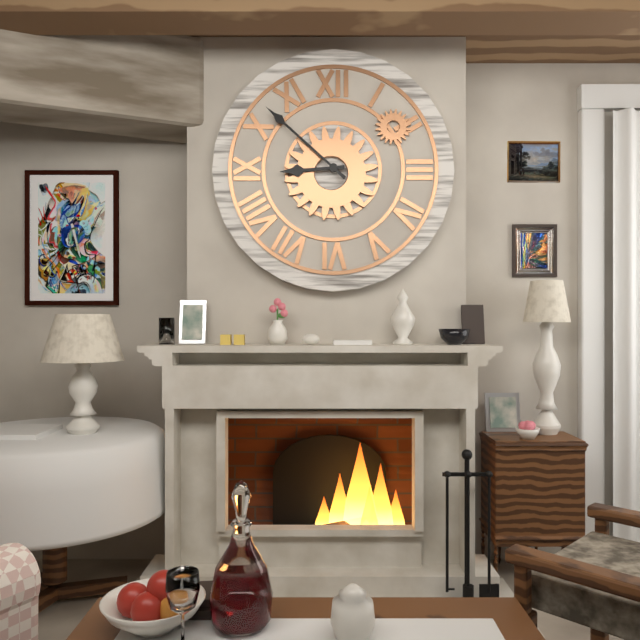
8:52
